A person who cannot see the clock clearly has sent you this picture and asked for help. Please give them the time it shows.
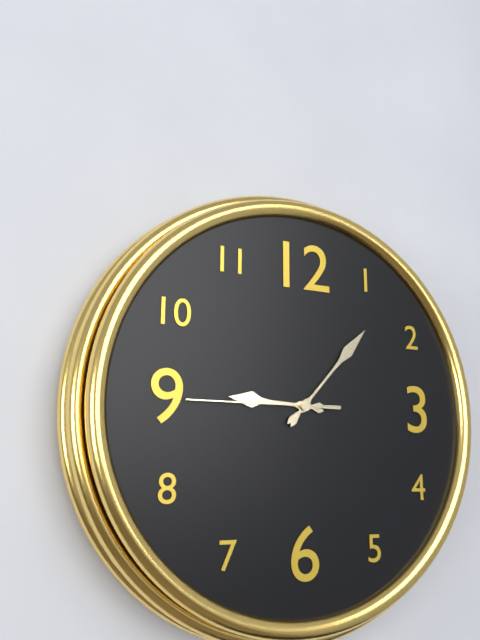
9:07:45
